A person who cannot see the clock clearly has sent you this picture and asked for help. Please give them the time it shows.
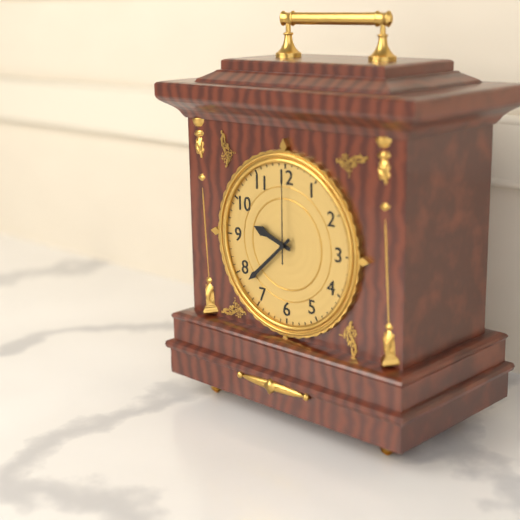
9:38:00
